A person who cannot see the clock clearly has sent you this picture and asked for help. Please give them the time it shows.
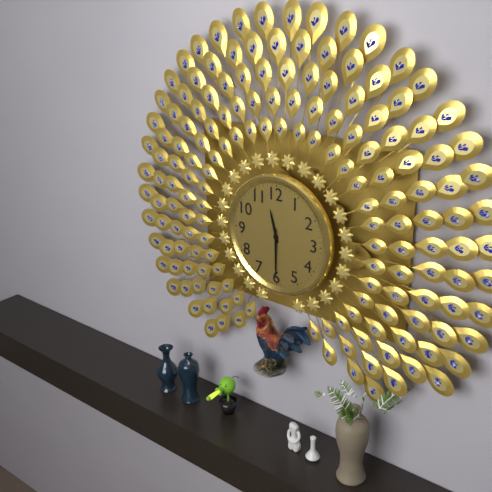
11:30
